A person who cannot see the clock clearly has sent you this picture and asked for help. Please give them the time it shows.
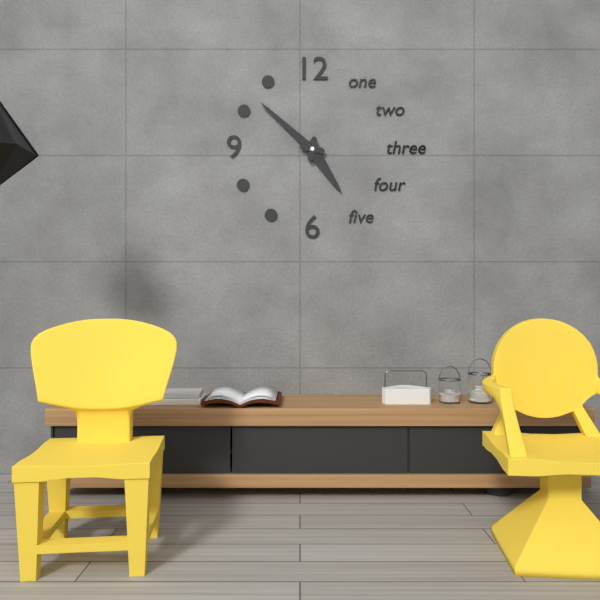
4:52
